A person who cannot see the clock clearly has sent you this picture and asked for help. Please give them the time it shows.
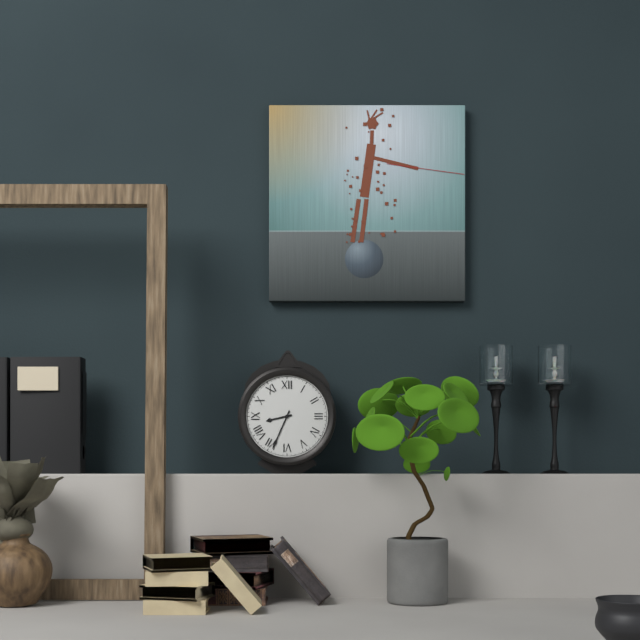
8:34
